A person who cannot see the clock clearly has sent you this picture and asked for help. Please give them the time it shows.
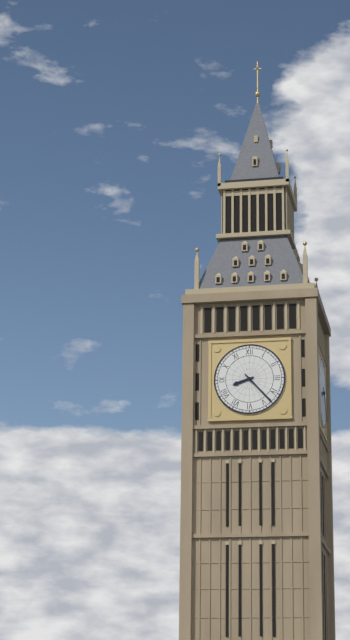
8:23
